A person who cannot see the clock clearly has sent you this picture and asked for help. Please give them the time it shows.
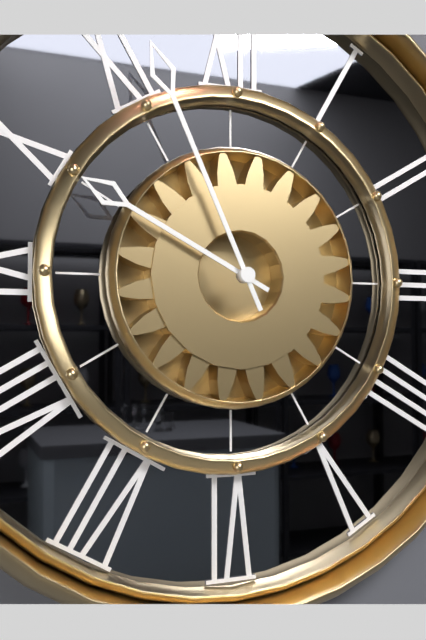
9:56
